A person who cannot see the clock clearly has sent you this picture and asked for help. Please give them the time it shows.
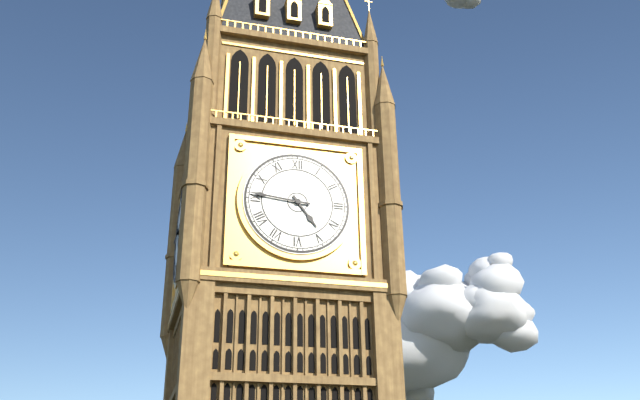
4:46
